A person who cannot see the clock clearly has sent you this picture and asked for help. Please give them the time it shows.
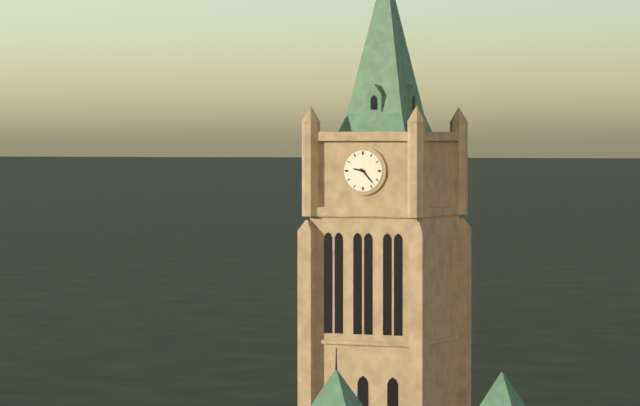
9:23
